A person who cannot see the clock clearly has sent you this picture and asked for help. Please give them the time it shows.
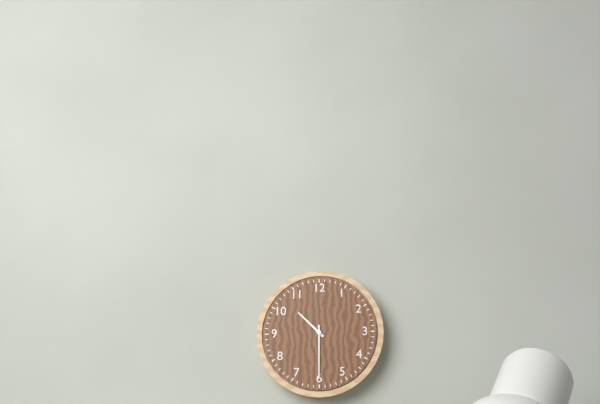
10:30
